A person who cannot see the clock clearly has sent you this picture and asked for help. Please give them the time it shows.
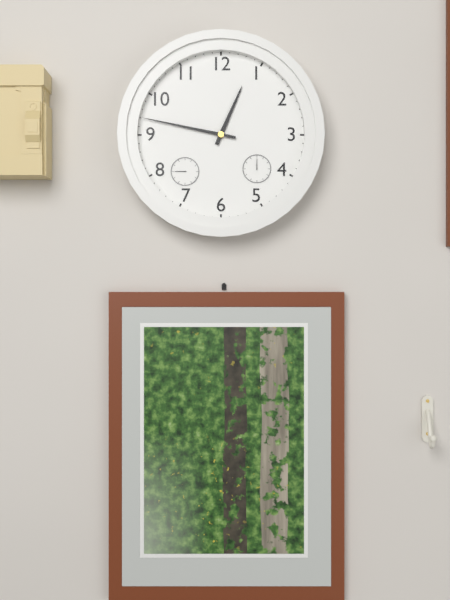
12:47
